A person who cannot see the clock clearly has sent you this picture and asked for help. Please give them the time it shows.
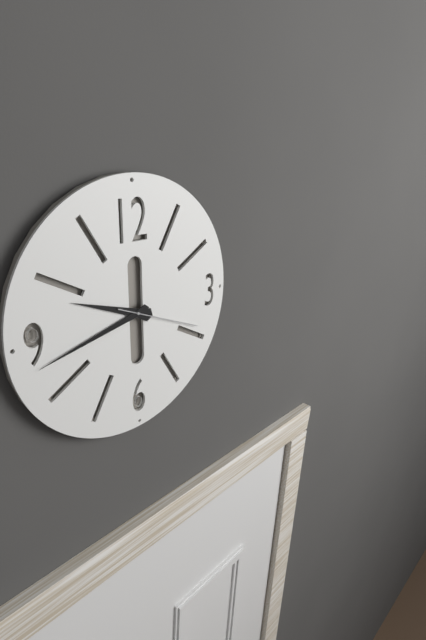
9:43:19
